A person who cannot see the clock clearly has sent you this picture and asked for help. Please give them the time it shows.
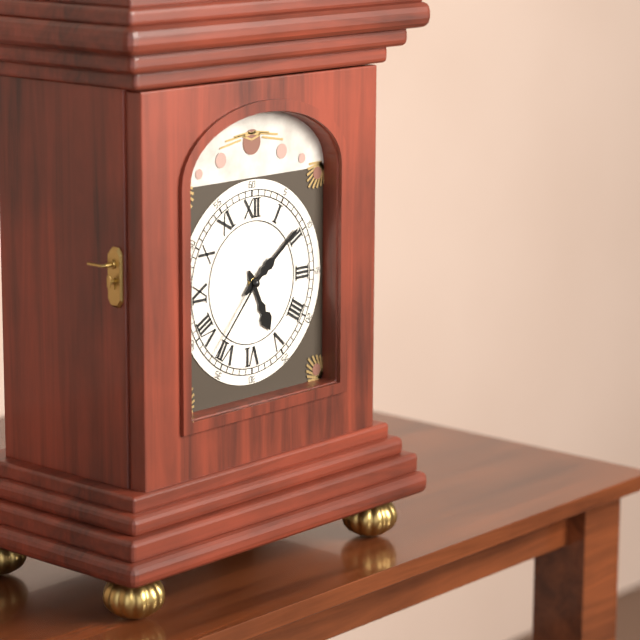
5:09:37
